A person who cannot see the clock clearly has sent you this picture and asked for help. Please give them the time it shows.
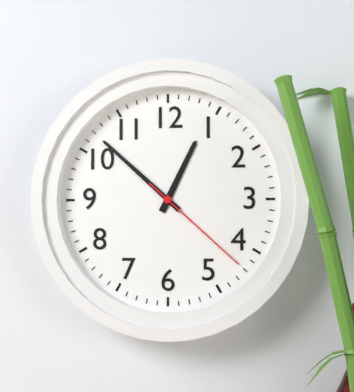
12:52:22
